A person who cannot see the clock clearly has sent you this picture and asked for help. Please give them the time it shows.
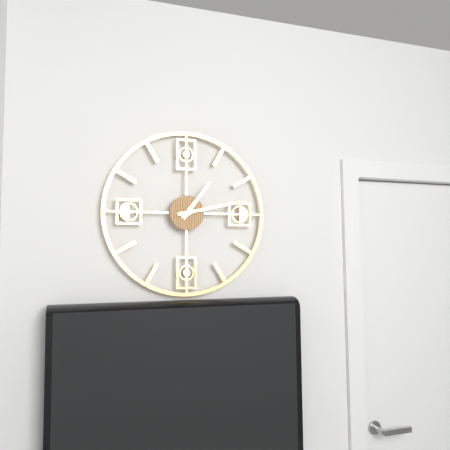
1:13
